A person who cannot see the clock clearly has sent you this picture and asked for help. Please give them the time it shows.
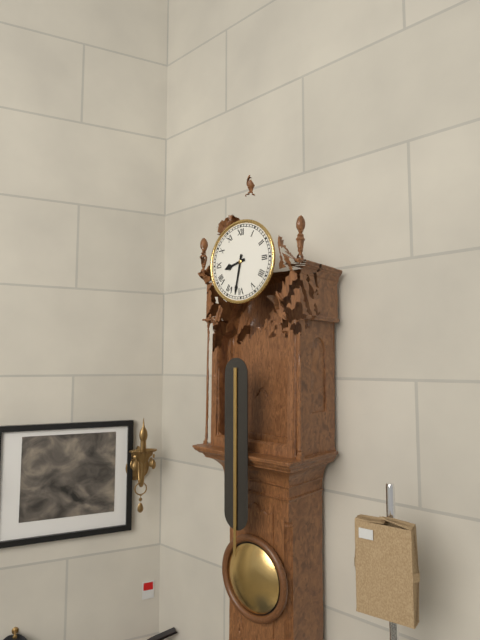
8:32
